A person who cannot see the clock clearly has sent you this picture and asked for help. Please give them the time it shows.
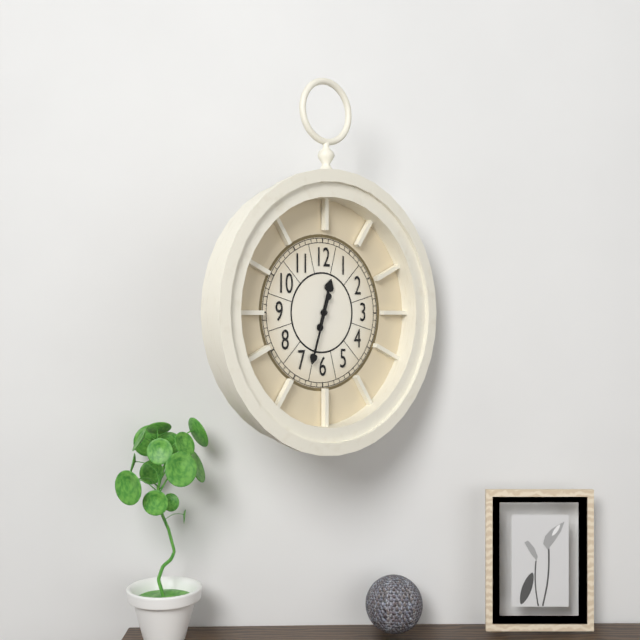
12:33
